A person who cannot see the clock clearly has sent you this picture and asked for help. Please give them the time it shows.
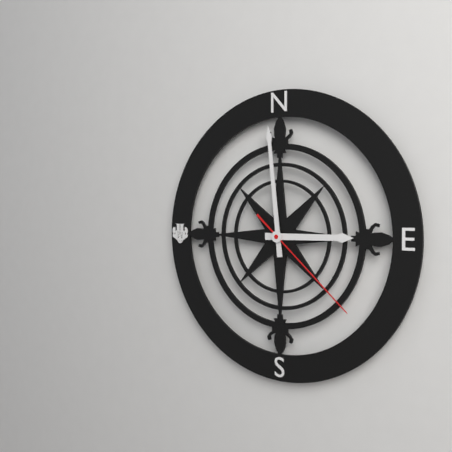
2:59:22
